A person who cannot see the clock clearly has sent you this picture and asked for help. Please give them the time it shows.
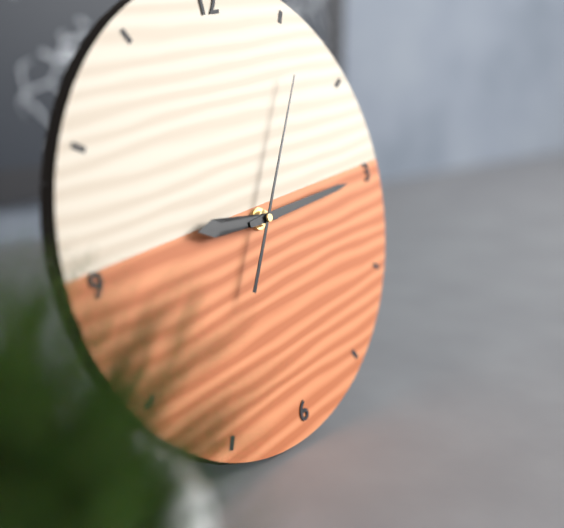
9:15:06
